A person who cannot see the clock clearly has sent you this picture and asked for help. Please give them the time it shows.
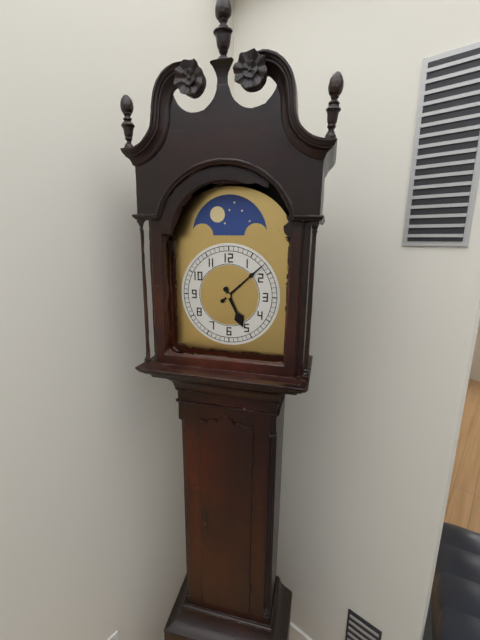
5:08
